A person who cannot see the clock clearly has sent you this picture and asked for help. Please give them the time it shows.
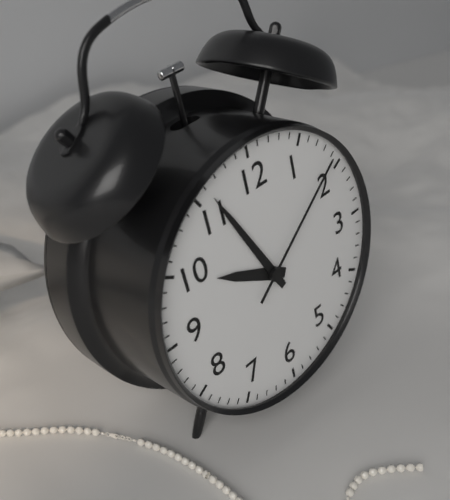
9:56:09
